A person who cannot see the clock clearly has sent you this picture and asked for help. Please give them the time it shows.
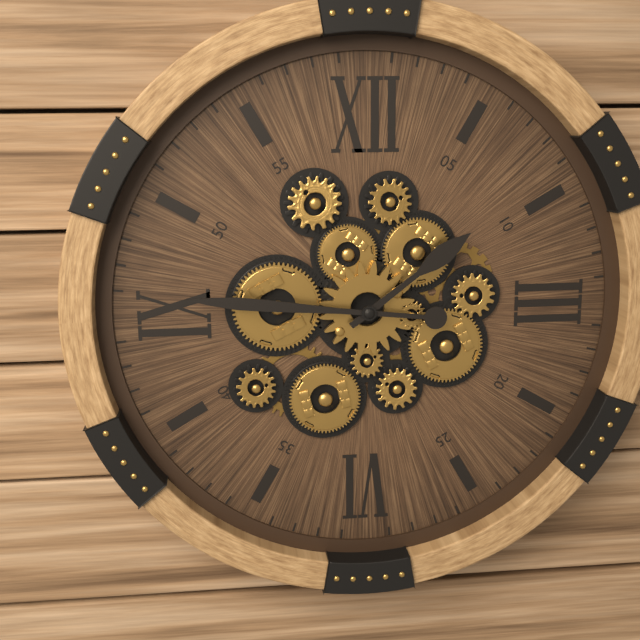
1:46
